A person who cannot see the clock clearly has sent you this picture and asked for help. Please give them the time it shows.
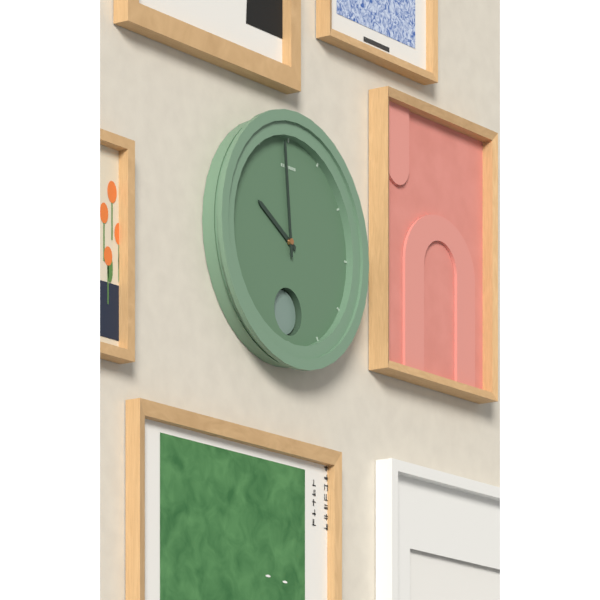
9:59
